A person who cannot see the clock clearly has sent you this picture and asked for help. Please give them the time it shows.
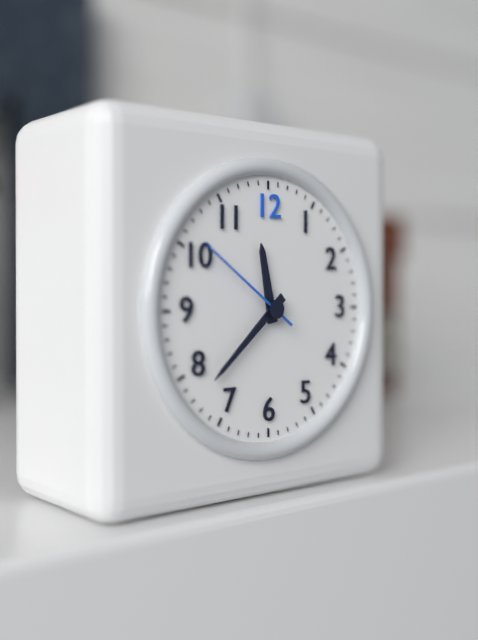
11:38:51
